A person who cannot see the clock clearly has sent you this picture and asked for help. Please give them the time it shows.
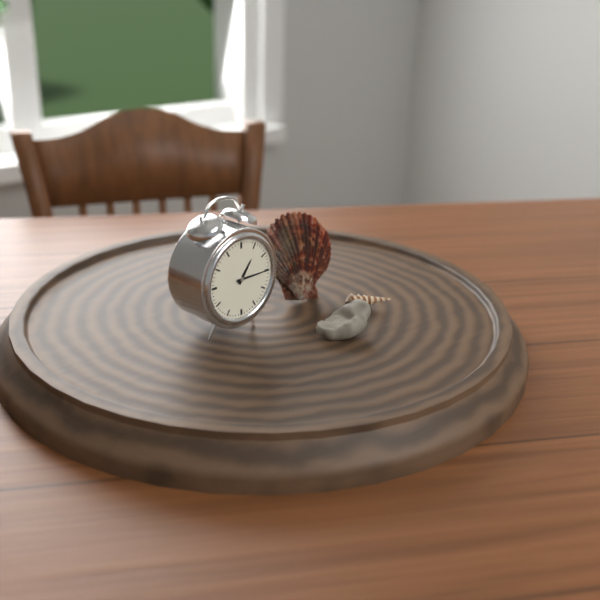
1:15
